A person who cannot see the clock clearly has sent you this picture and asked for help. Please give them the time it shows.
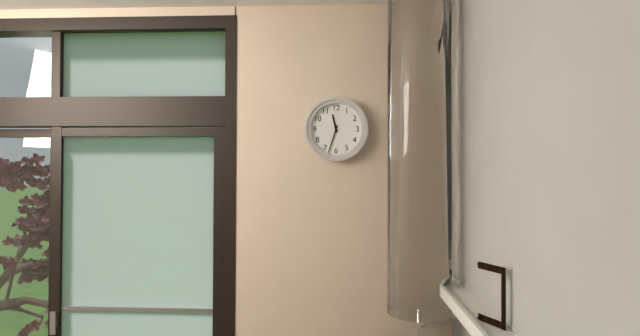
11:33
